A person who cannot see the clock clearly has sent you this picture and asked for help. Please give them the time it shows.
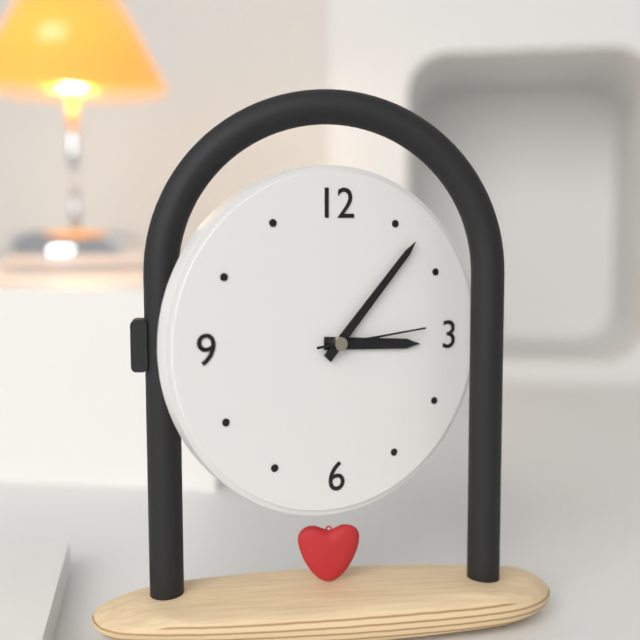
3:07:14
